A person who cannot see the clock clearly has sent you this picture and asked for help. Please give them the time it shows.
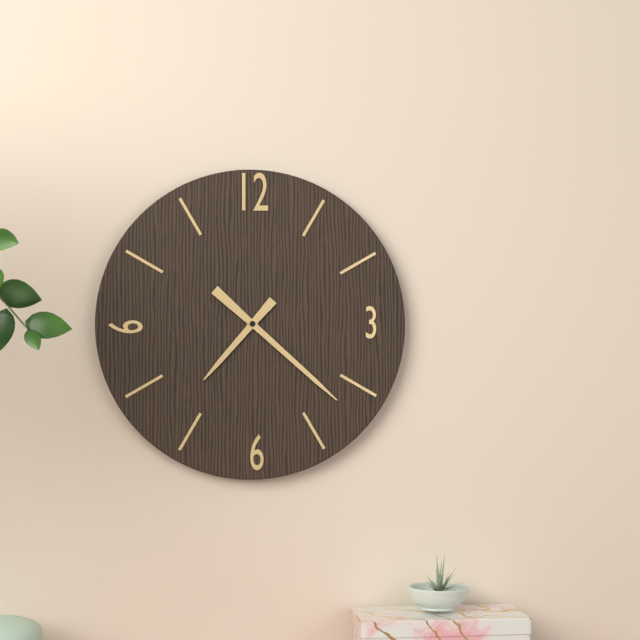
7:22
